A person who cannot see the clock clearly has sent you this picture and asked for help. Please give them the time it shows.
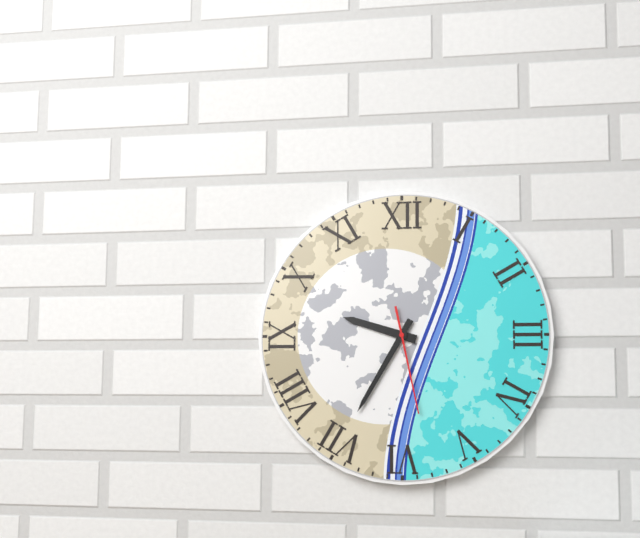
9:35:28
